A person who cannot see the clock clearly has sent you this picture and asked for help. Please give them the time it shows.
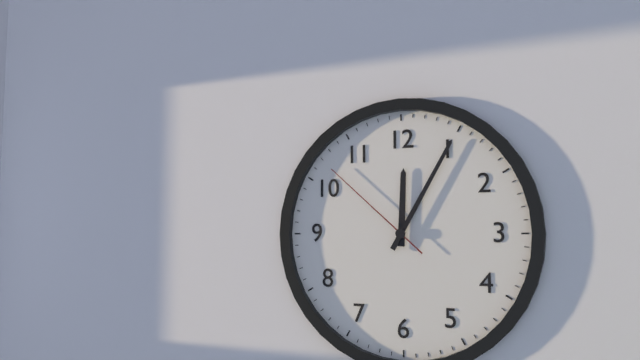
12:05:52
